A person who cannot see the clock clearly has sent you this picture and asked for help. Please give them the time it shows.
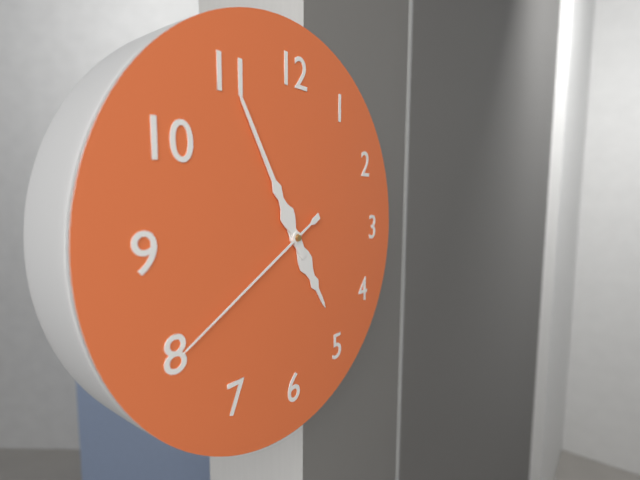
4:55:40
